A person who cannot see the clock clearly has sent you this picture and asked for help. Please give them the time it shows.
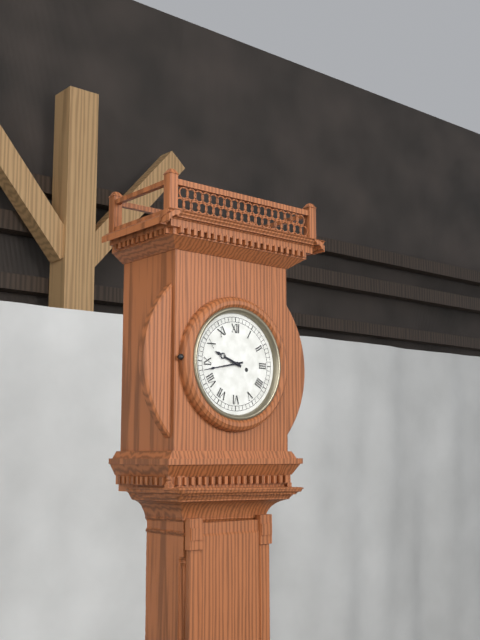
9:43
